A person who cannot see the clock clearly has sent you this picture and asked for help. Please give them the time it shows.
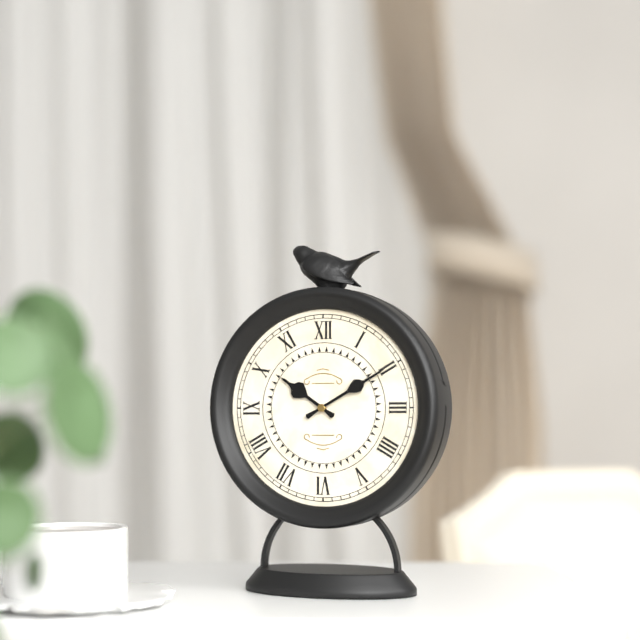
10:10
